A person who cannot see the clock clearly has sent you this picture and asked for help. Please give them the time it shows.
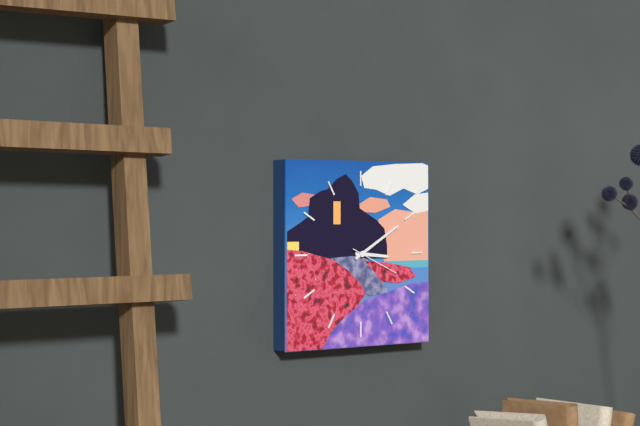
3:10:19
